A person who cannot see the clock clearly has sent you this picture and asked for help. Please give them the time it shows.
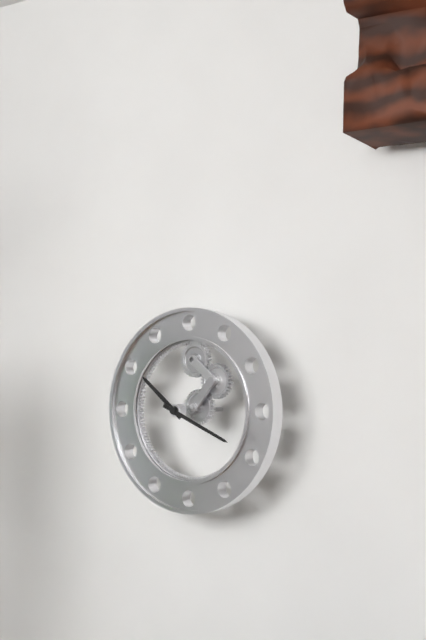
10:19
